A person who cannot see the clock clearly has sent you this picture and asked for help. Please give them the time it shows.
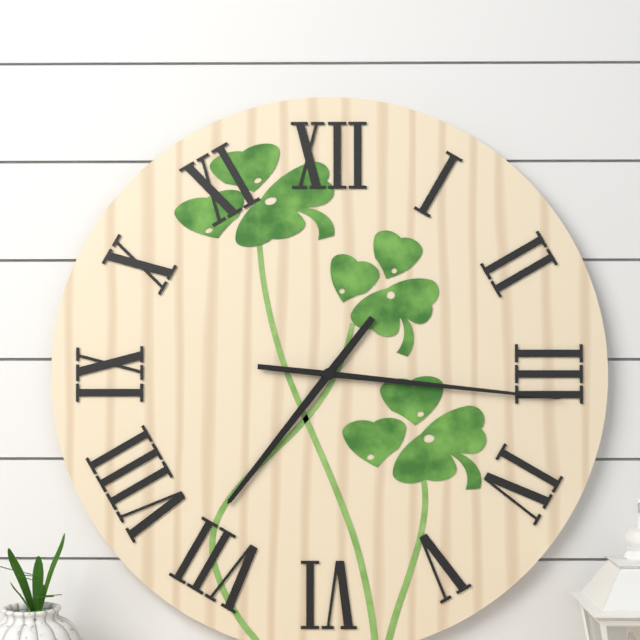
7:16
